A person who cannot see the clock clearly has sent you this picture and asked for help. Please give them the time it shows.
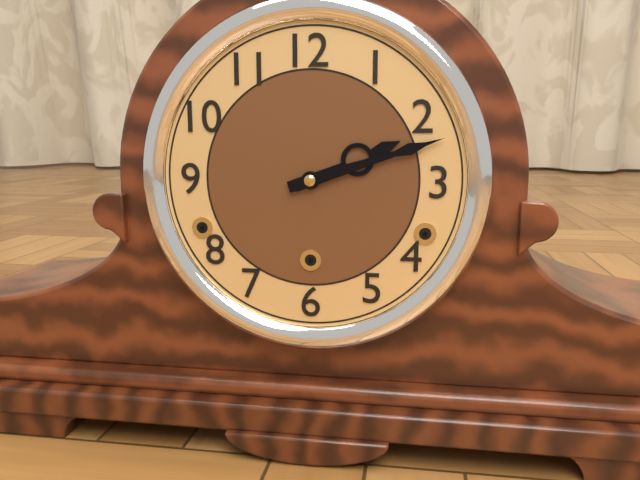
2:12
